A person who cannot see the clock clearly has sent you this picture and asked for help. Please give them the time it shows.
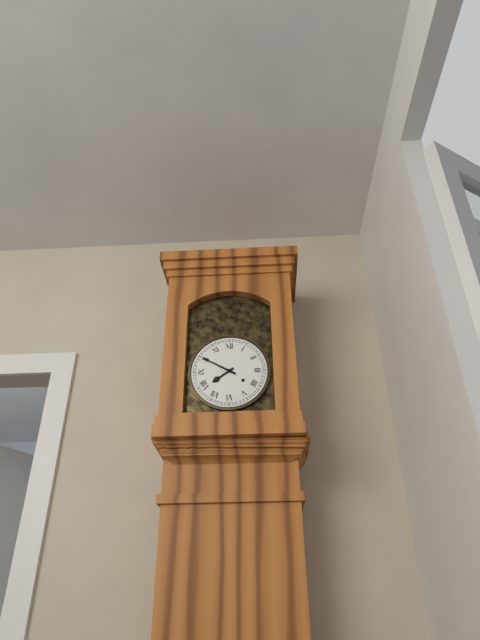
7:50
